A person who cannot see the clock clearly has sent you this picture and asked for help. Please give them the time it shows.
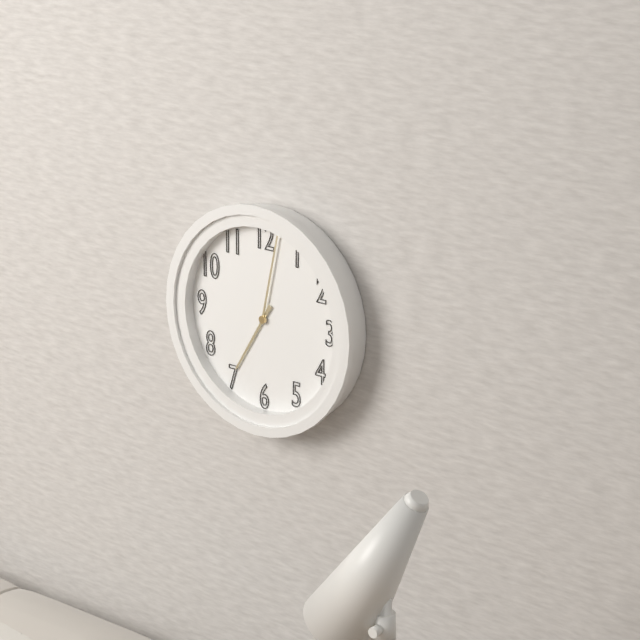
7:02
